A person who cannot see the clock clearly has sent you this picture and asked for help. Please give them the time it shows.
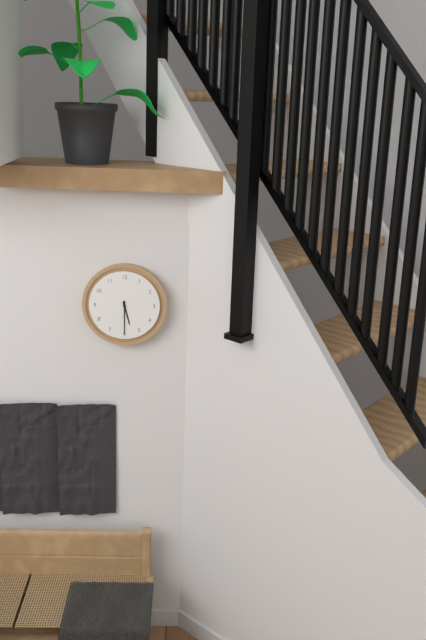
5:30
